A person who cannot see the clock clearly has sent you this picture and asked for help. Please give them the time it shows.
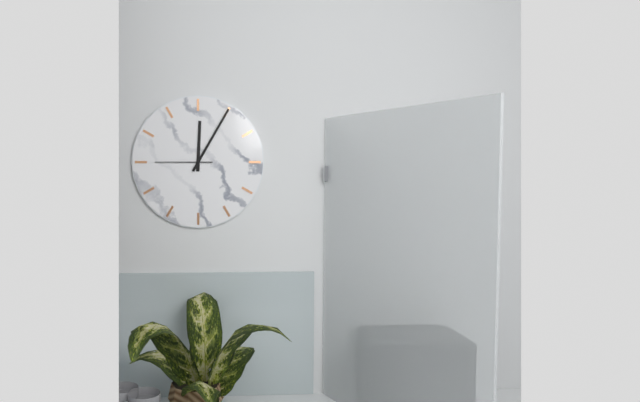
12:05:45
